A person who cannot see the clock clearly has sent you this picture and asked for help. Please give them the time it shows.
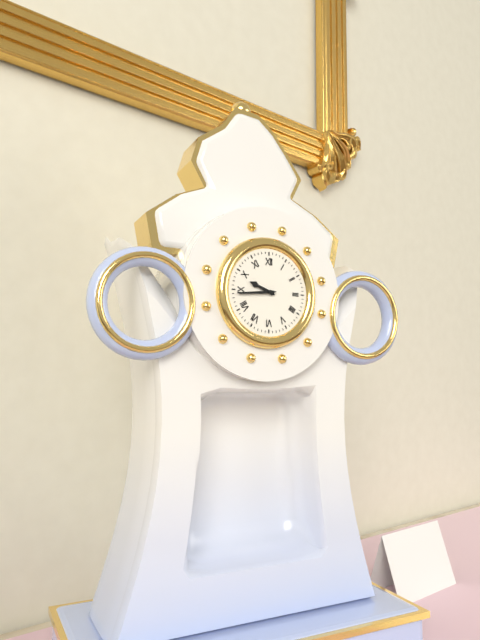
9:44
